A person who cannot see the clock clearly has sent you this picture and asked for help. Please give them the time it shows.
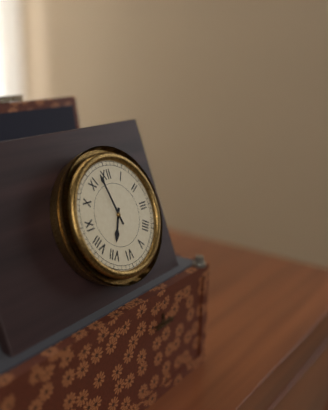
6:58
